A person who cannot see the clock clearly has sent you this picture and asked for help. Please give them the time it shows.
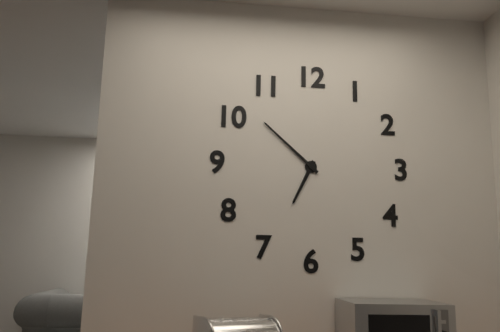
6:52
